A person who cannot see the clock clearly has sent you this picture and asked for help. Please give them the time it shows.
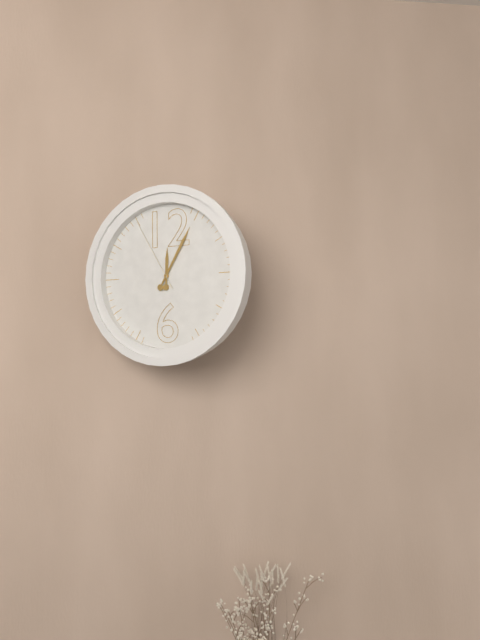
12:05:55
